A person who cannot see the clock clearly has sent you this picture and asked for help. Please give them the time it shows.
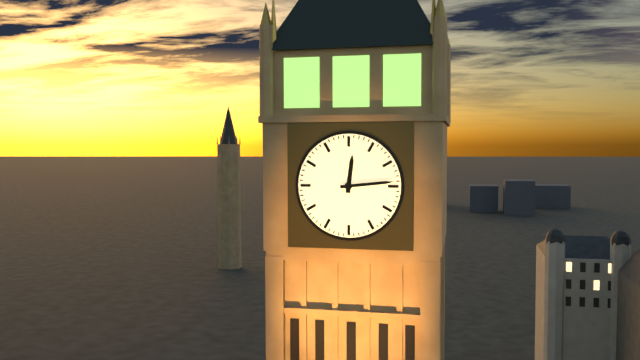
12:14
